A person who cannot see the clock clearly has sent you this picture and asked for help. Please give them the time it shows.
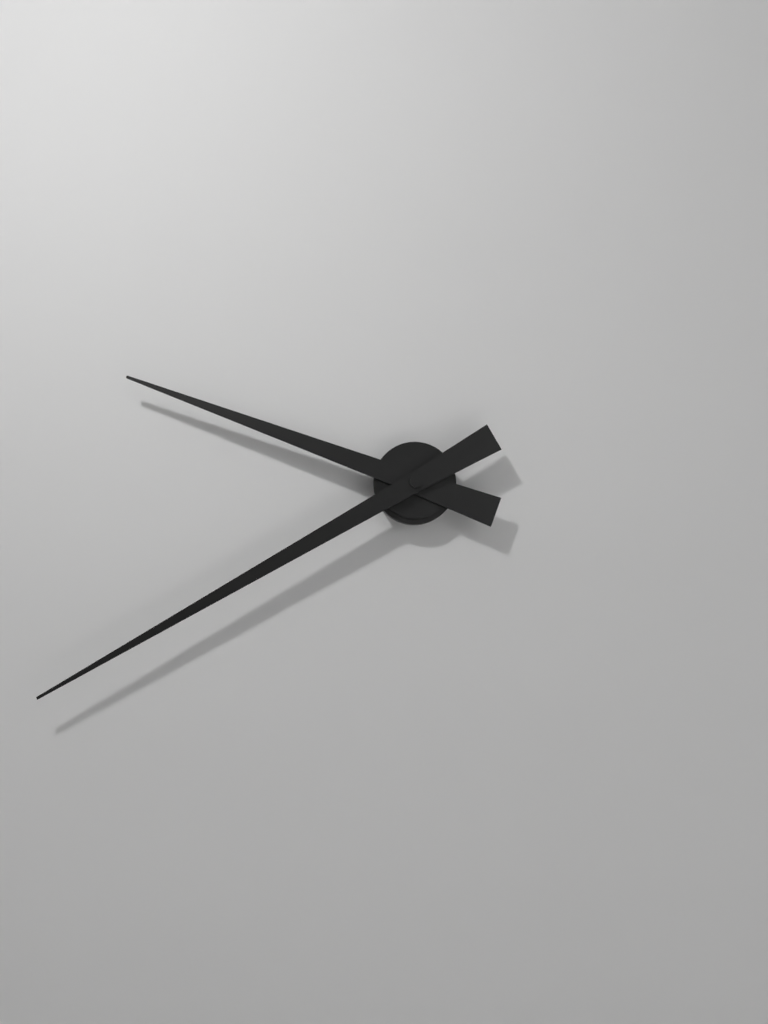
9:40
